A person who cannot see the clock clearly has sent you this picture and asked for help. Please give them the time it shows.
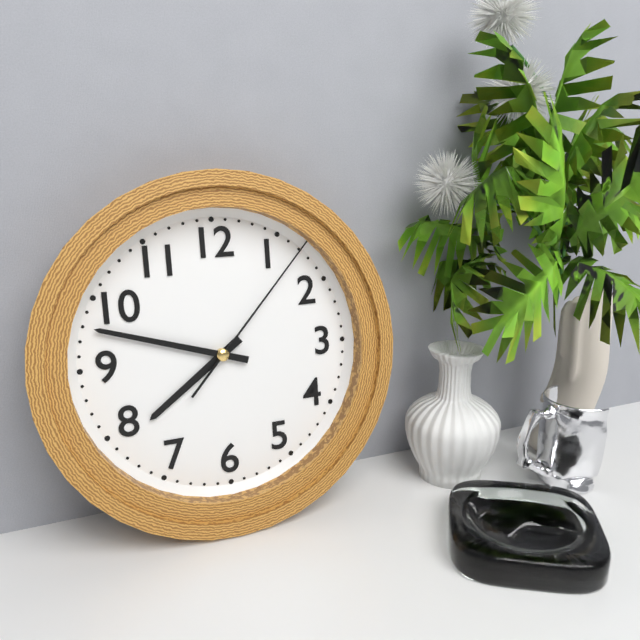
7:48:07
